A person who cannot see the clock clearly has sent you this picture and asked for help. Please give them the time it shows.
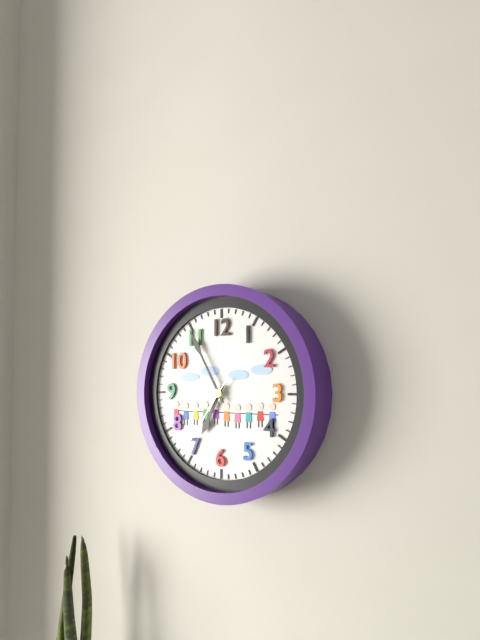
6:55:36
